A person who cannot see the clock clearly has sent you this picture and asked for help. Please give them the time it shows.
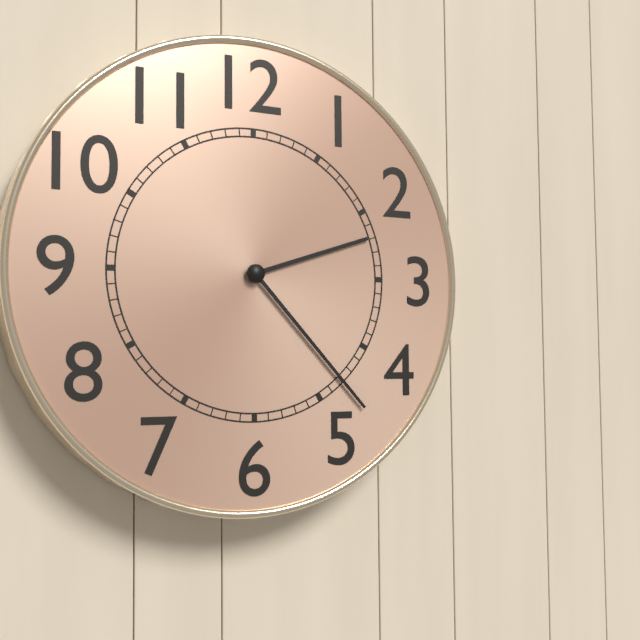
2:23
